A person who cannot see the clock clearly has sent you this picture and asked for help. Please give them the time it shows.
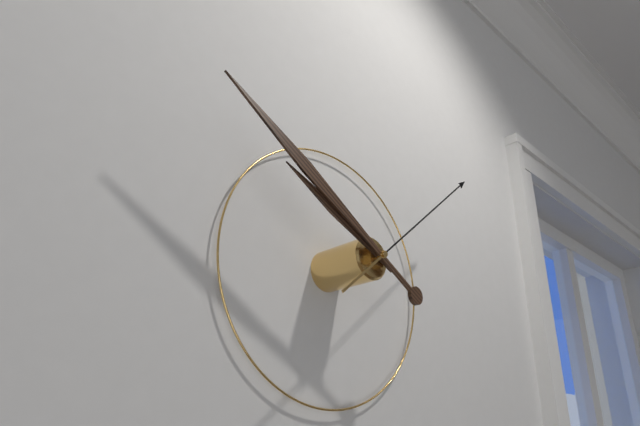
9:50:08
